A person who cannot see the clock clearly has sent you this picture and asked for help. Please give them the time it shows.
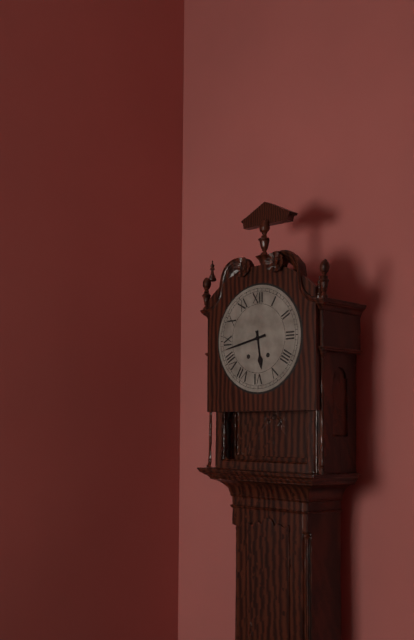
5:43
